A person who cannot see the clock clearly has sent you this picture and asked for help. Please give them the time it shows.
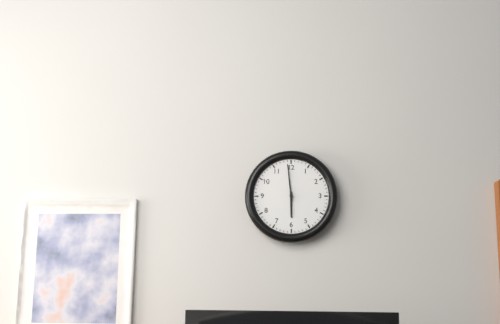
5:59
